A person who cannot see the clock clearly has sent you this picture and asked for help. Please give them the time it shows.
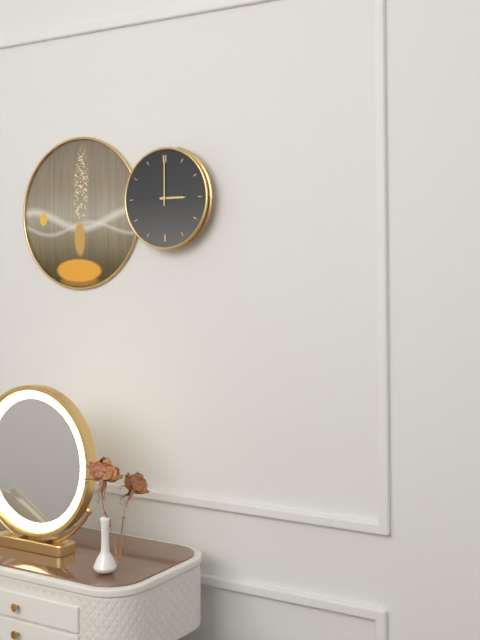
3:00
